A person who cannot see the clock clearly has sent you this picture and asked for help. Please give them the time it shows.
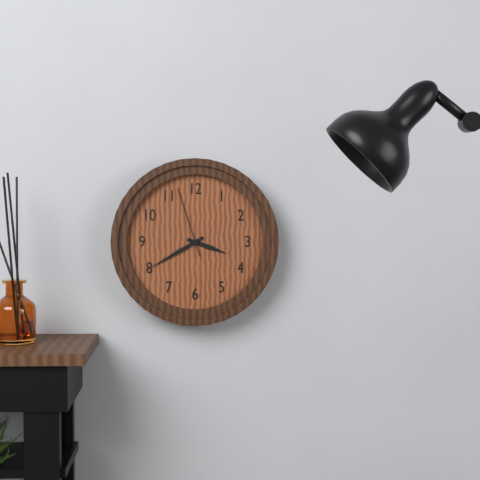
3:40:57
